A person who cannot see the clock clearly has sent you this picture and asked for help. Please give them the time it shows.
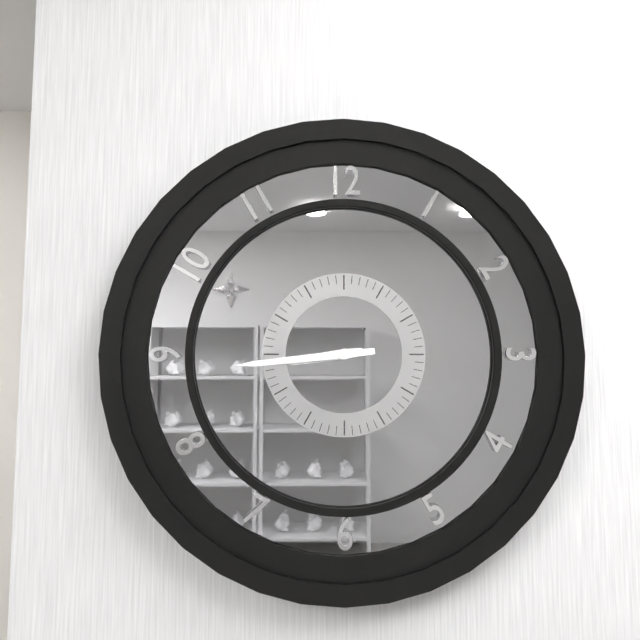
8:44
